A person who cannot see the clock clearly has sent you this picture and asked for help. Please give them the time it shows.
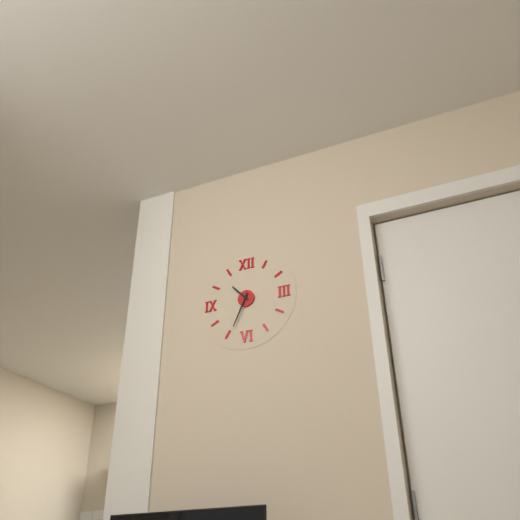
10:34
